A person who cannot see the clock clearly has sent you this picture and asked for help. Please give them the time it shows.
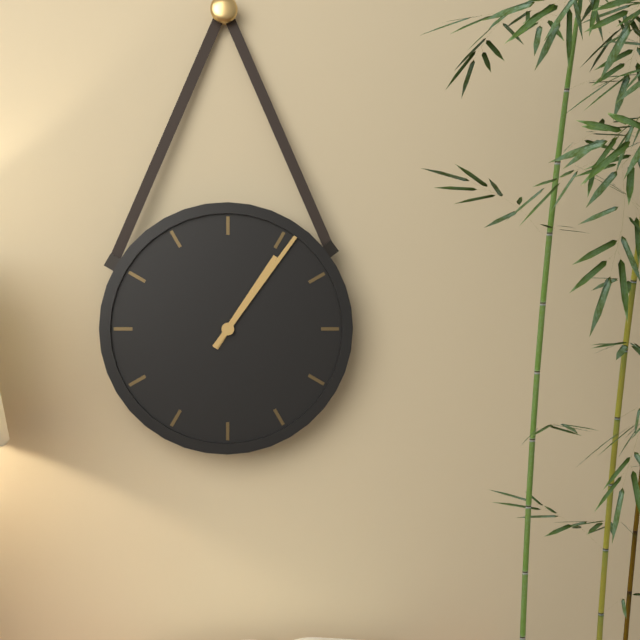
1:06
